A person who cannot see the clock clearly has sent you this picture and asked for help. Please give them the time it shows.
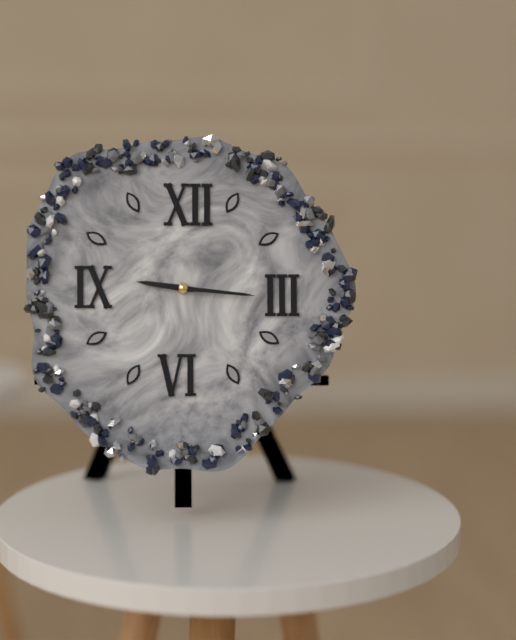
9:16
